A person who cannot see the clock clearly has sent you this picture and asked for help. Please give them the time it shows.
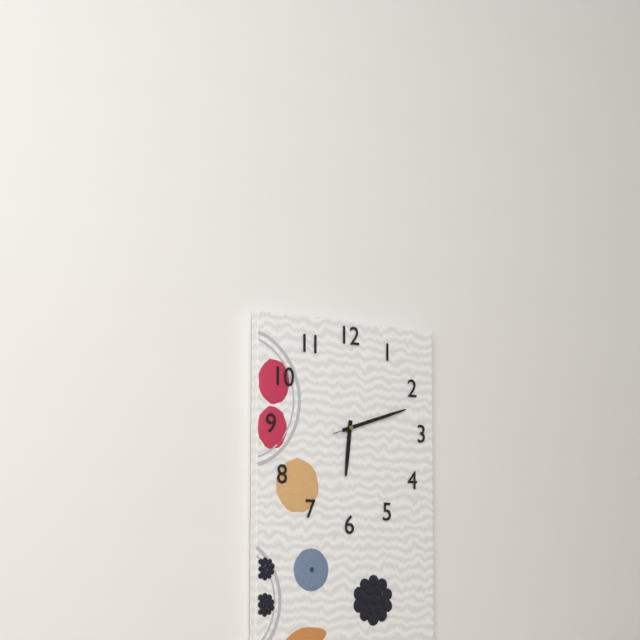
6:12:12
